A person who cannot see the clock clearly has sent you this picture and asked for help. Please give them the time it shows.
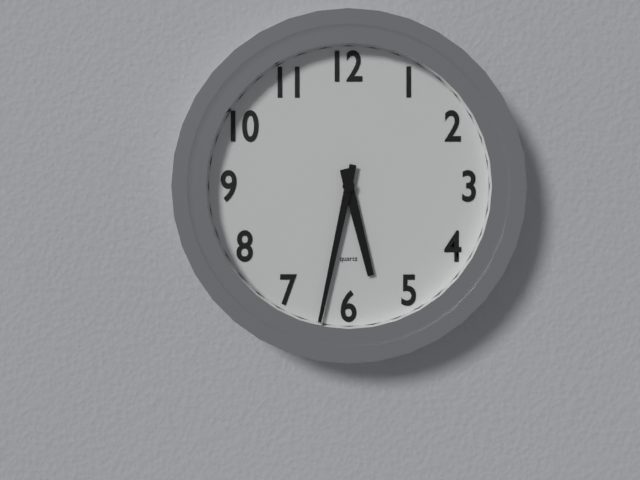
5:32
